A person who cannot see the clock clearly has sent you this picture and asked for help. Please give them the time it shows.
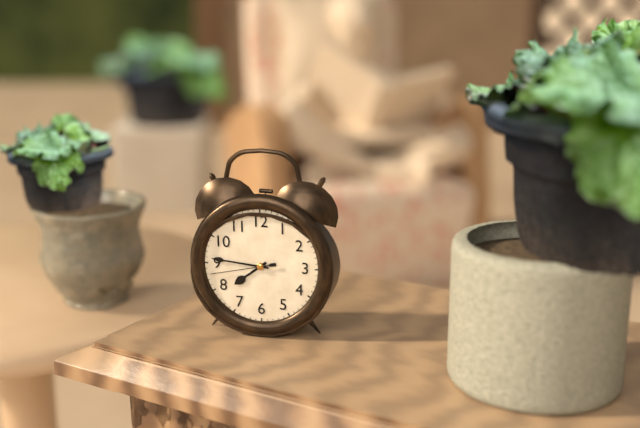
7:46:43
